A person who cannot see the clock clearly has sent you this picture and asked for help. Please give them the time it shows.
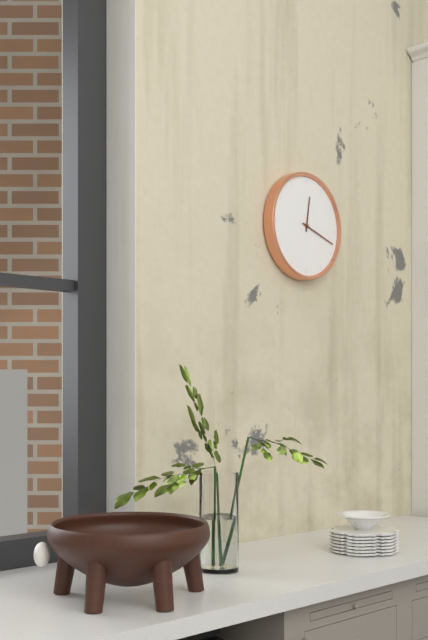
12:18
